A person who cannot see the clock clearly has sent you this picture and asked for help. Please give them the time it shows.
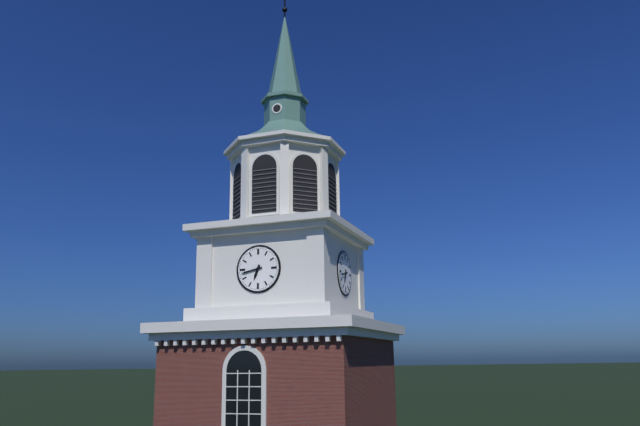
6:43
